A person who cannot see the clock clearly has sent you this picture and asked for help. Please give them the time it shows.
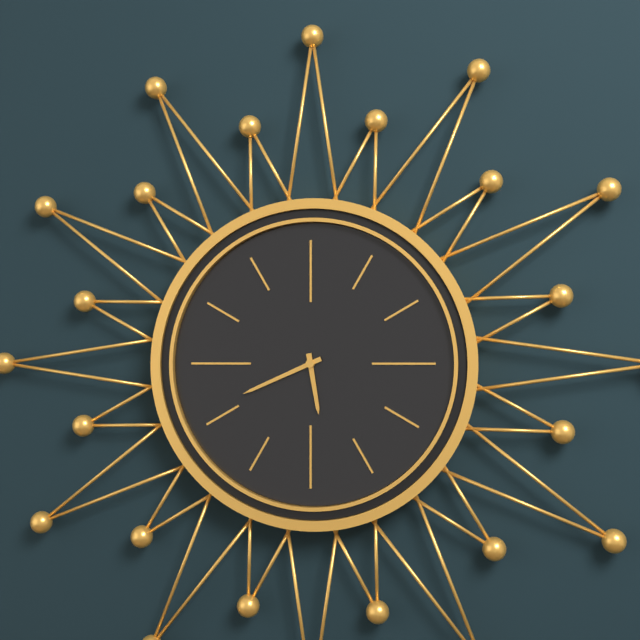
5:41
